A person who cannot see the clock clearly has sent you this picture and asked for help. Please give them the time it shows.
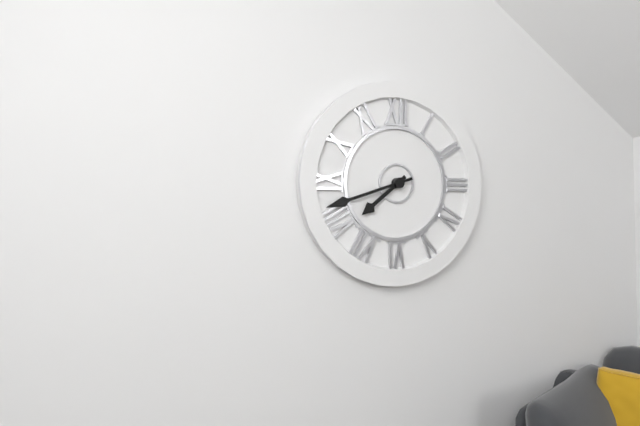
7:42
